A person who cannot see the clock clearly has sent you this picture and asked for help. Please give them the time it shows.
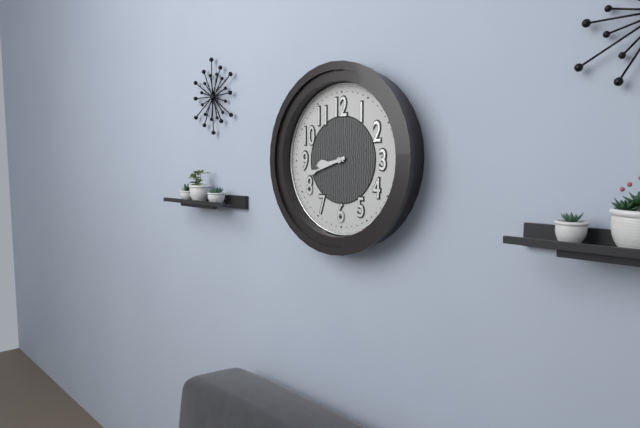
8:42
